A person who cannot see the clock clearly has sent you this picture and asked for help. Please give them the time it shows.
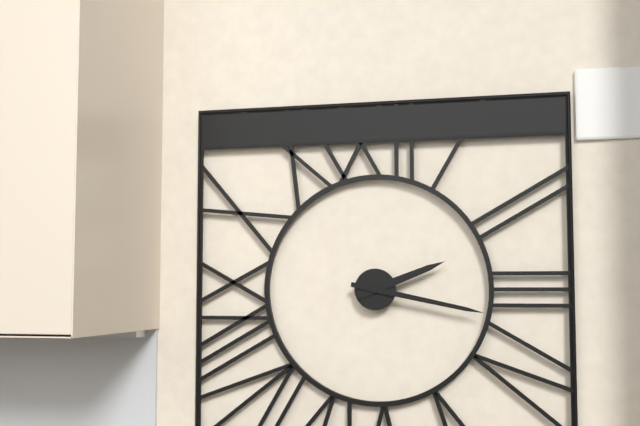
2:17
